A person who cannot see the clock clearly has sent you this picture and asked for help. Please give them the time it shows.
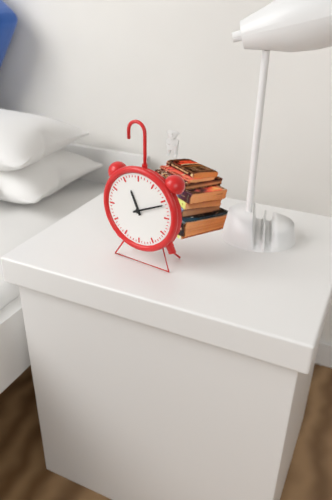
11:11
